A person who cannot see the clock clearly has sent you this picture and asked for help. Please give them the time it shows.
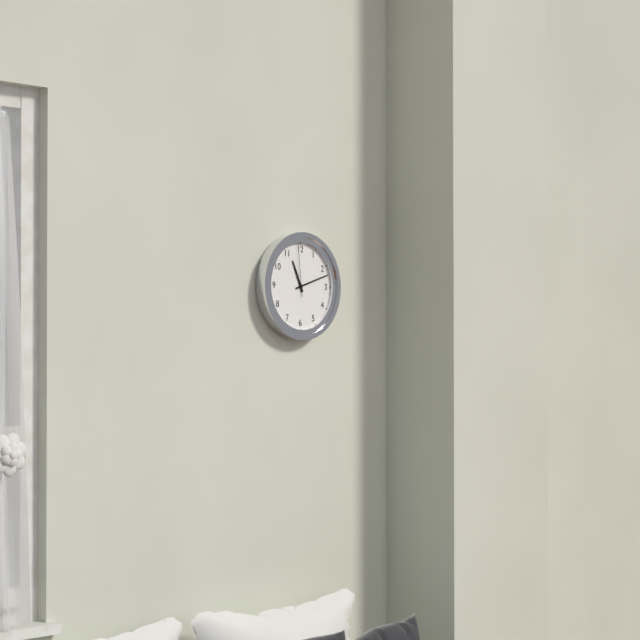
11:12:59
